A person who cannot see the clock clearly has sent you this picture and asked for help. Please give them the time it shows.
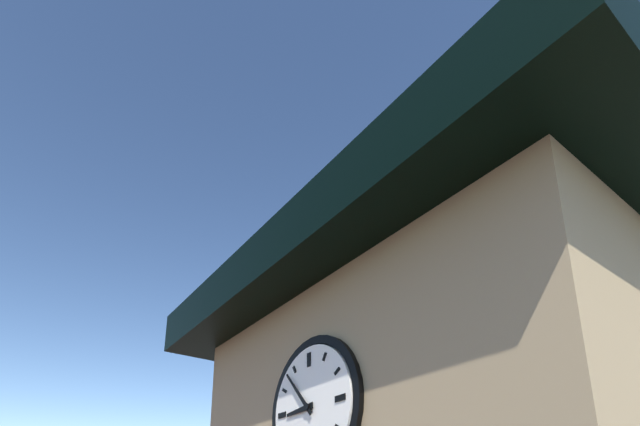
8:53
